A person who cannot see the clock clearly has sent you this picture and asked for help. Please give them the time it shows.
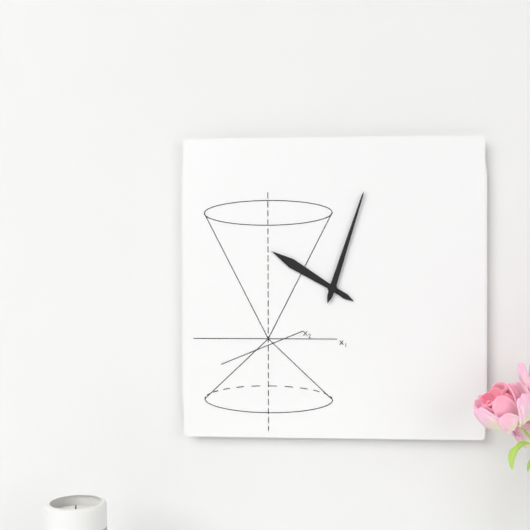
10:03
